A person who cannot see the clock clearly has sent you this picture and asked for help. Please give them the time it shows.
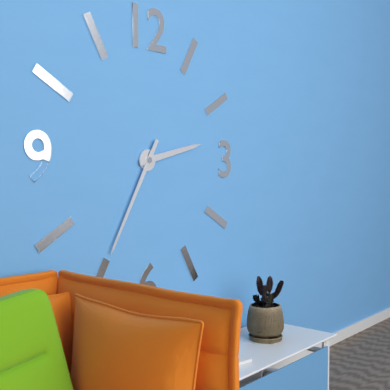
2:35
